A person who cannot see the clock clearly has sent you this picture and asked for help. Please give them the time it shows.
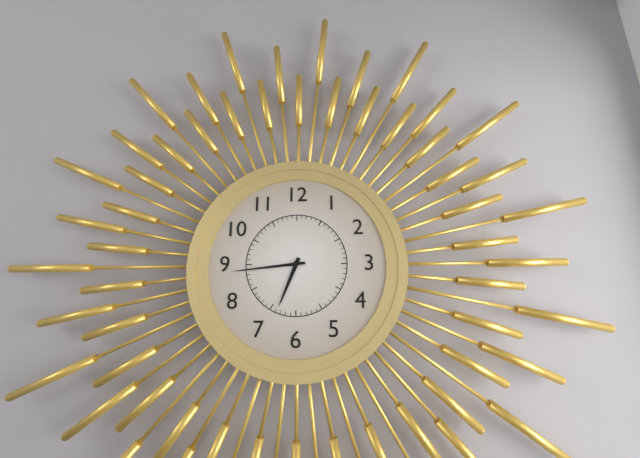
6:44
